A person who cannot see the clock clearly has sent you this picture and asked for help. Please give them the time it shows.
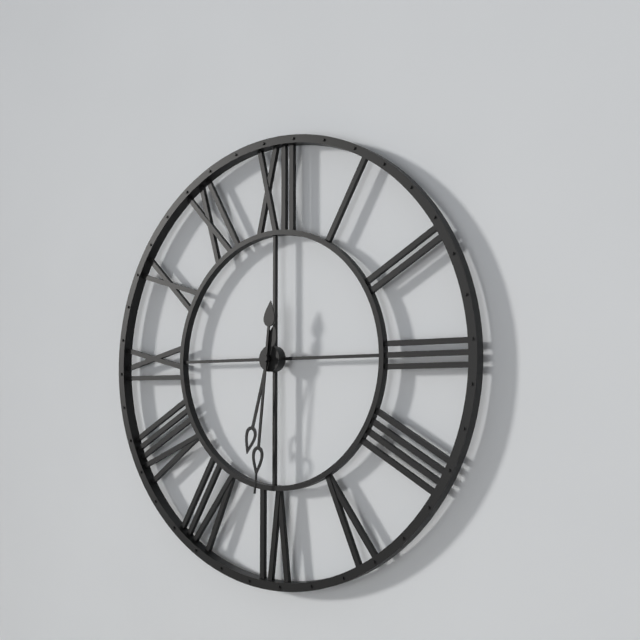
6:31
